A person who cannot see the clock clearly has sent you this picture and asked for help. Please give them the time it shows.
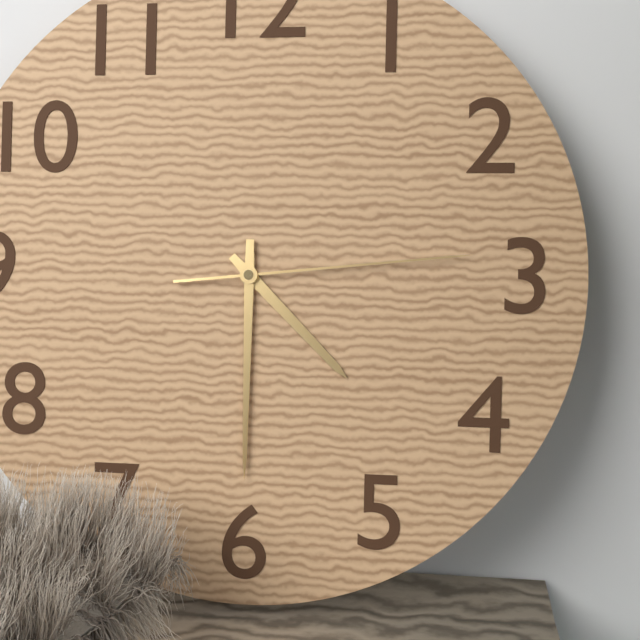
4:30:14
